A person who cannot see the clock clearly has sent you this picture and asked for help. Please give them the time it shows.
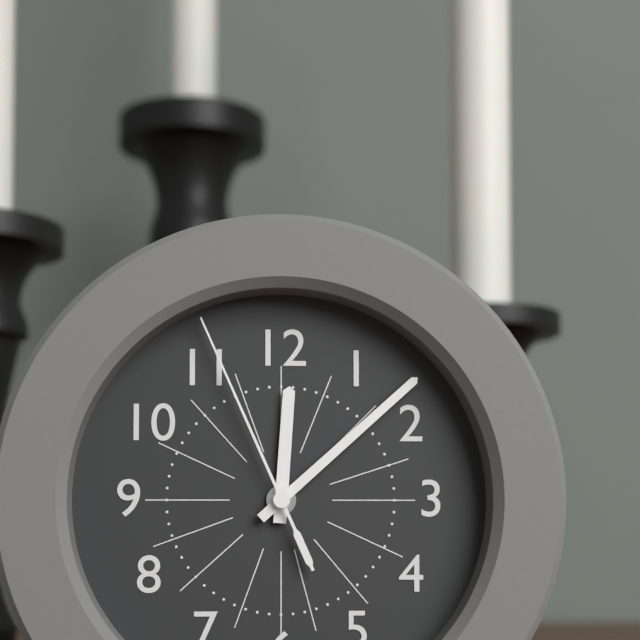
12:08:56
